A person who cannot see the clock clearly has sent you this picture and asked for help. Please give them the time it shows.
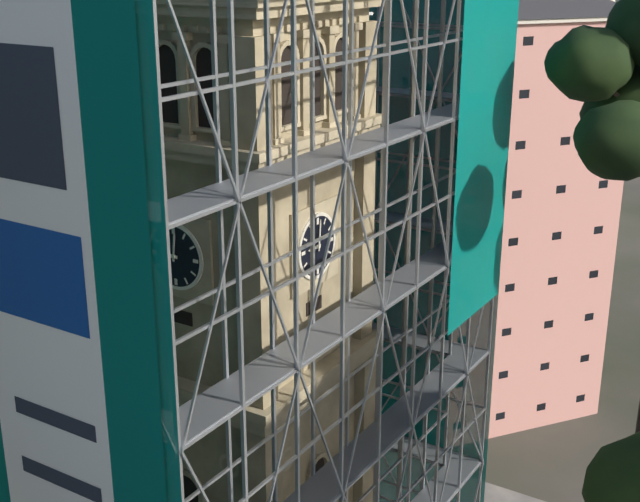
9:01
